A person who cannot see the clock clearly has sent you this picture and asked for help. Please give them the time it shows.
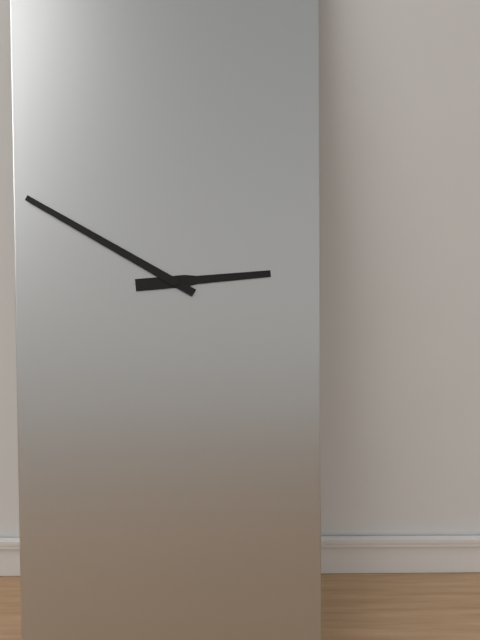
2:50
